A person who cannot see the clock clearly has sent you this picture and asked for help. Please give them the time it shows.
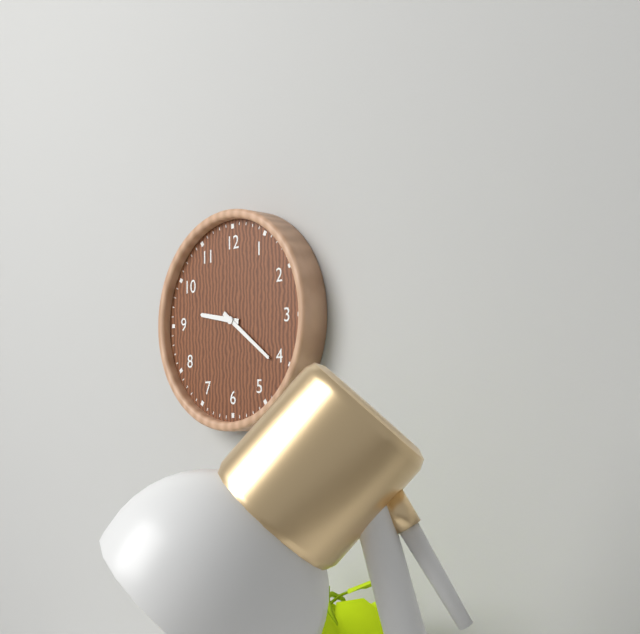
9:21
